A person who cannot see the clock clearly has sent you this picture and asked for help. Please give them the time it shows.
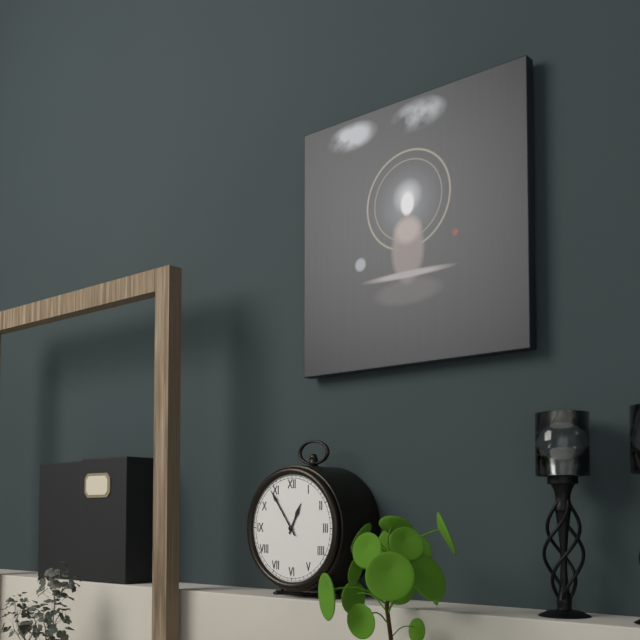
12:54
